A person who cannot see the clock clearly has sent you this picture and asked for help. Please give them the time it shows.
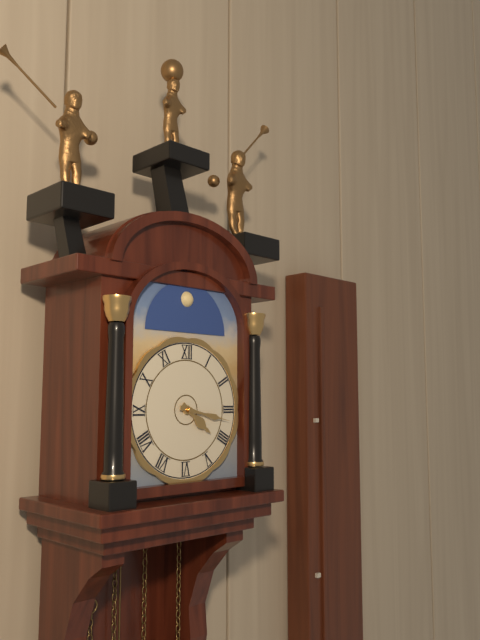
4:17
